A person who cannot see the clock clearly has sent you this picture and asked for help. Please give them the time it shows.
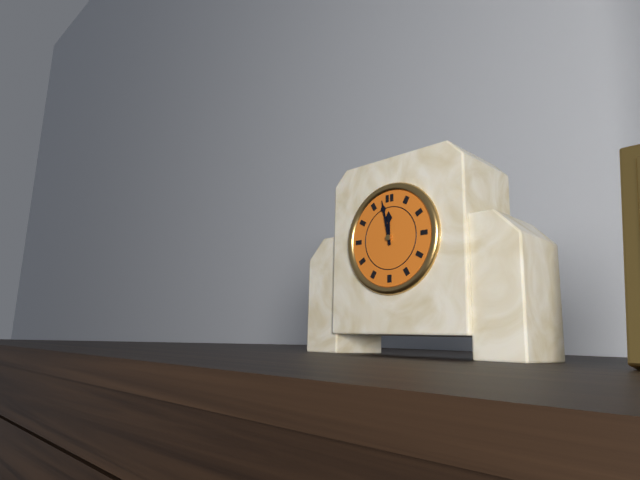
11:58
